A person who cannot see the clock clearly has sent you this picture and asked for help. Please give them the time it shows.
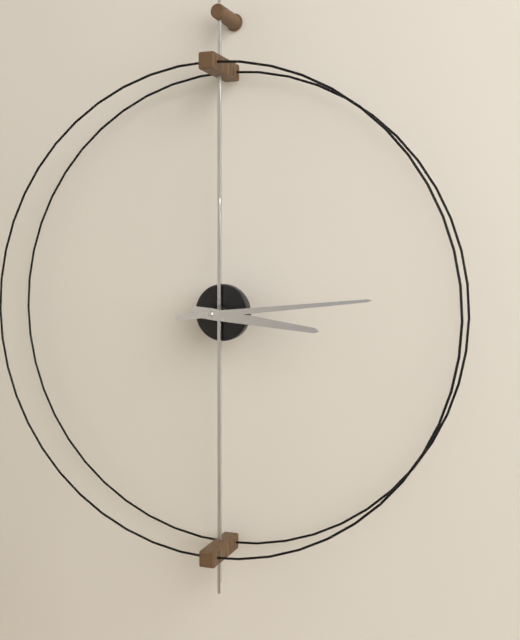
3:14
